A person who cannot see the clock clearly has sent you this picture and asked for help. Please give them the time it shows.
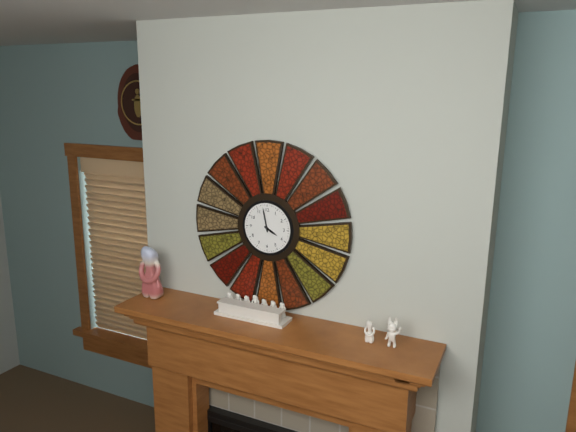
3:58
